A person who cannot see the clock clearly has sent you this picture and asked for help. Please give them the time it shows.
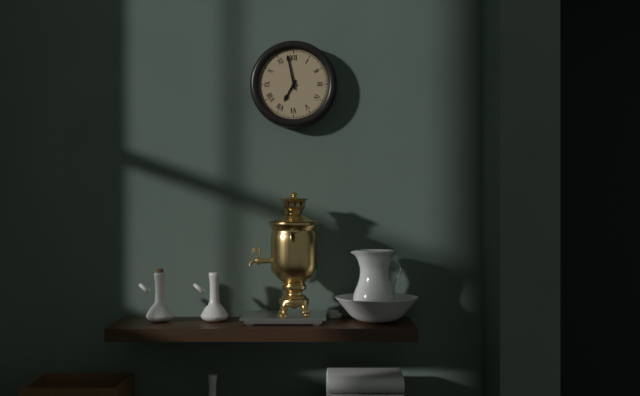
6:58
